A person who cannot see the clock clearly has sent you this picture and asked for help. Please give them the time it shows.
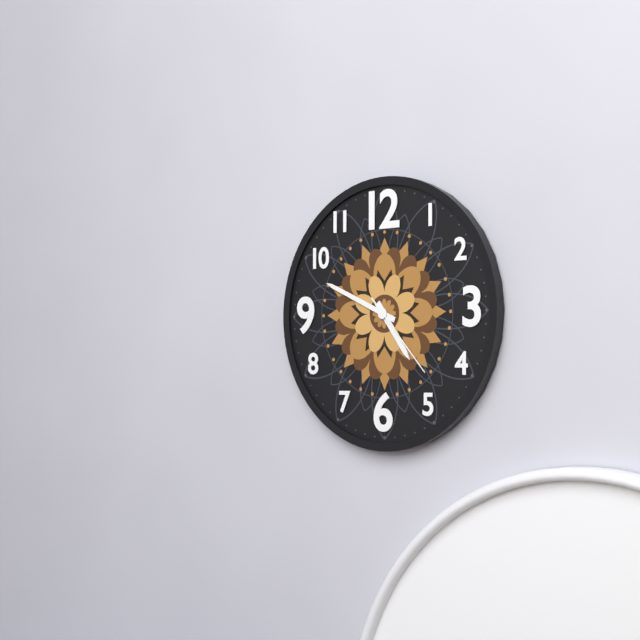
4:49:23
